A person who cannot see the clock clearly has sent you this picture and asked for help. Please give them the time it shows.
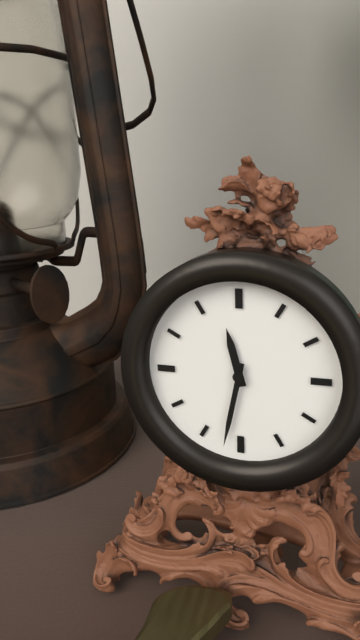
11:32
